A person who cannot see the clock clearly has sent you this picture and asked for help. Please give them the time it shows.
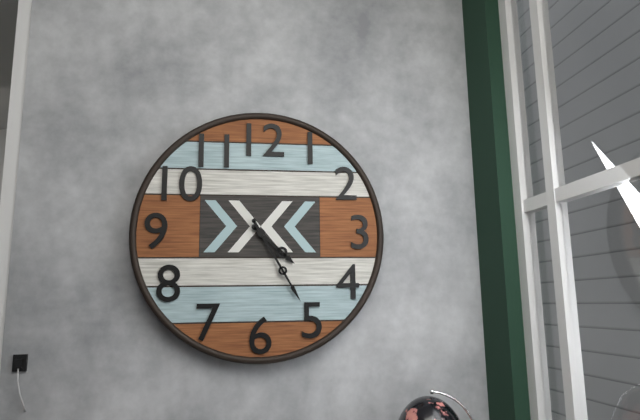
4:25
